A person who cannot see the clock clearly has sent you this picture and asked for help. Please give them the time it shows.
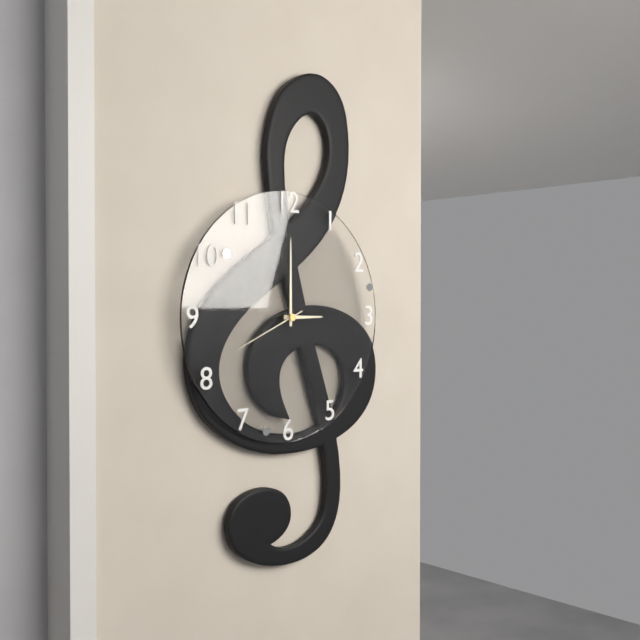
3:00:41
